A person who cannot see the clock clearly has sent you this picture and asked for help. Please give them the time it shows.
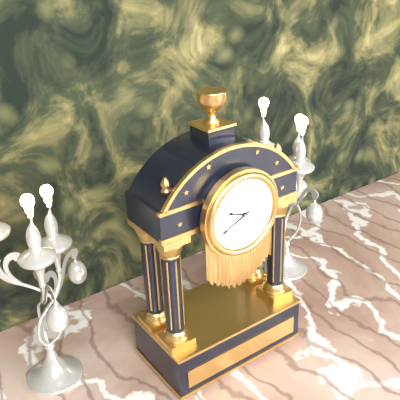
9:41
